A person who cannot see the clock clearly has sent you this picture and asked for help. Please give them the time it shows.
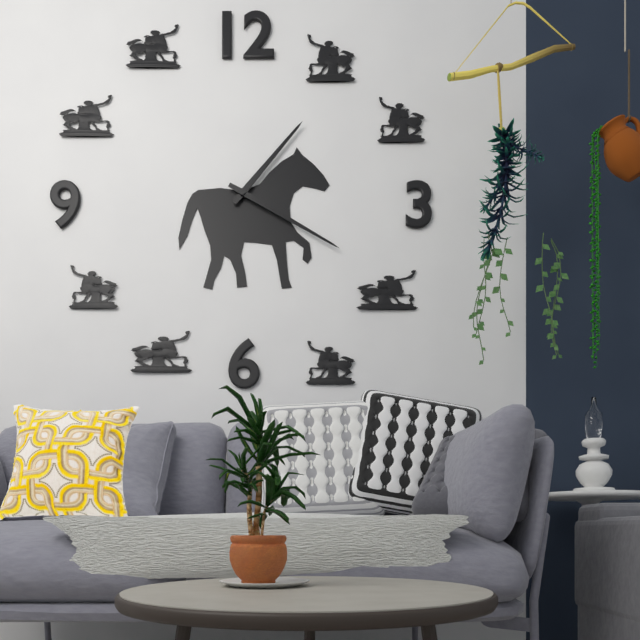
1:20
